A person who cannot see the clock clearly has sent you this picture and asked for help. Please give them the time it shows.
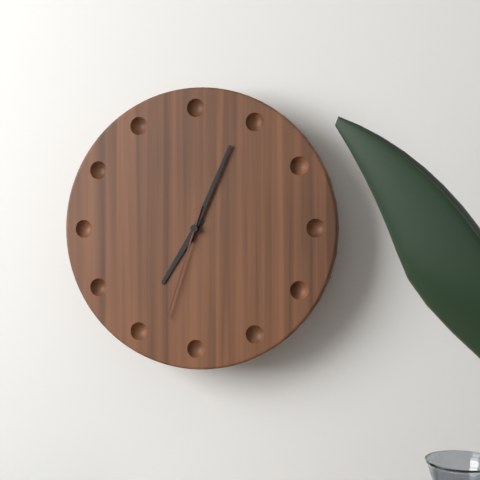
7:04:33
